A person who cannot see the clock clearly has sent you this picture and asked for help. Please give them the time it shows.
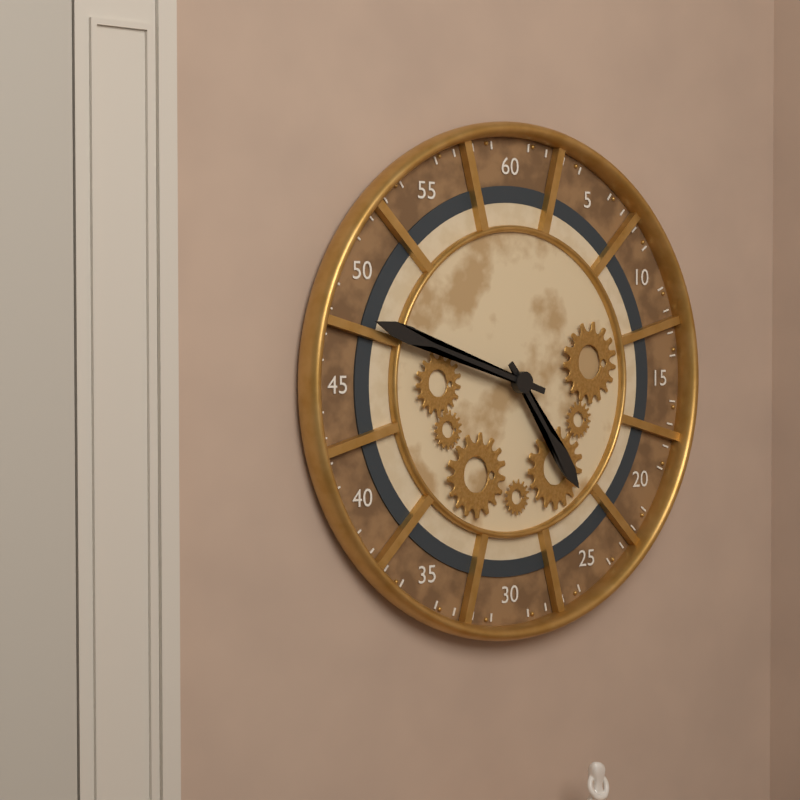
4:48
